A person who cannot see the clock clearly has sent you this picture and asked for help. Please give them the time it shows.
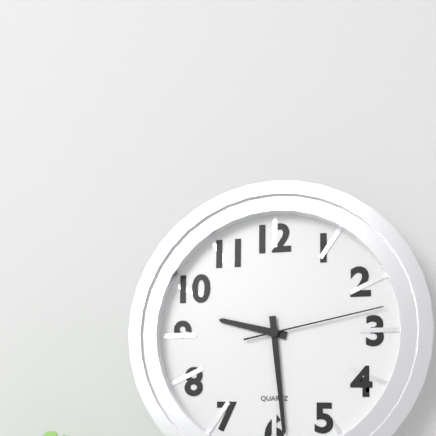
9:29:13
